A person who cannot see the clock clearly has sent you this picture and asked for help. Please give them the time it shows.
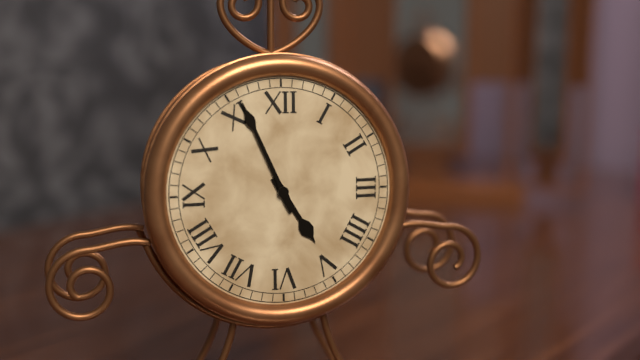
4:56
